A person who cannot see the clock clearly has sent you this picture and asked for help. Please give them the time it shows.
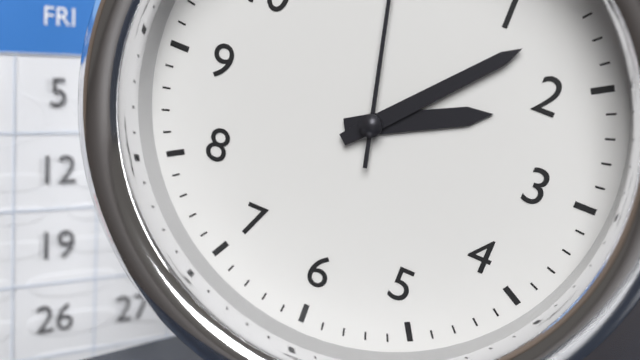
2:07
